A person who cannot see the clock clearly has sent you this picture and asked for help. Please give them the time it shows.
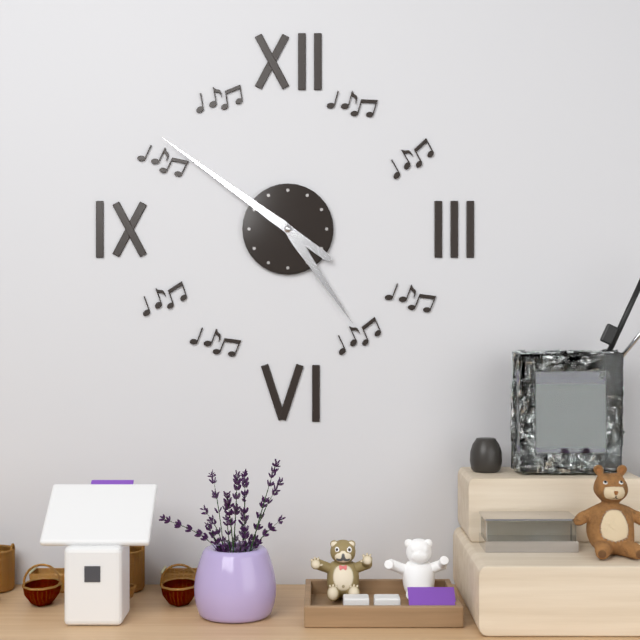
4:51
